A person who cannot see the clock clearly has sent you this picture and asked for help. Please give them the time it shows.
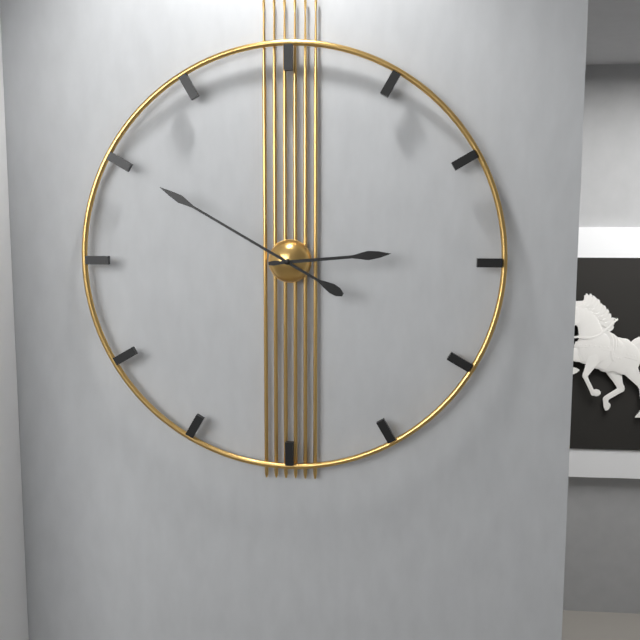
2:50
